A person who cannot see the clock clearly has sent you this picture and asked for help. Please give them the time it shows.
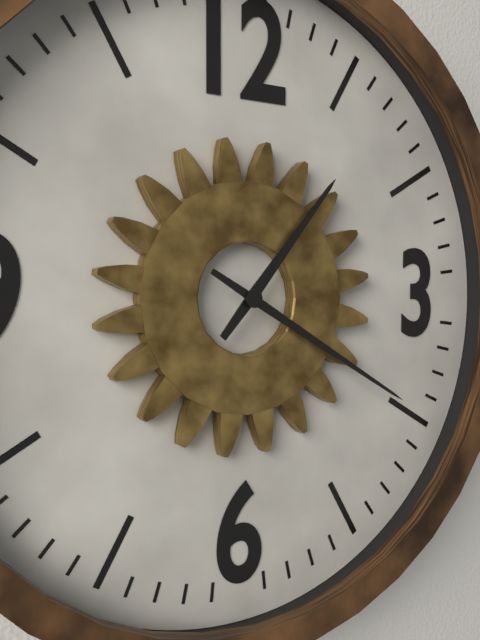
1:20
